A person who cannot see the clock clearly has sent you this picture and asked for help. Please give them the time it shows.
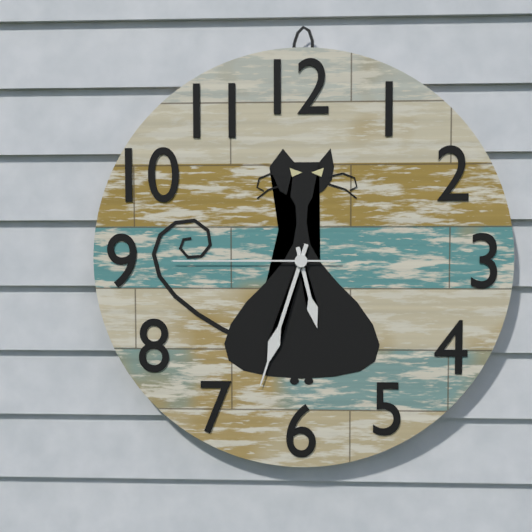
5:33:45
